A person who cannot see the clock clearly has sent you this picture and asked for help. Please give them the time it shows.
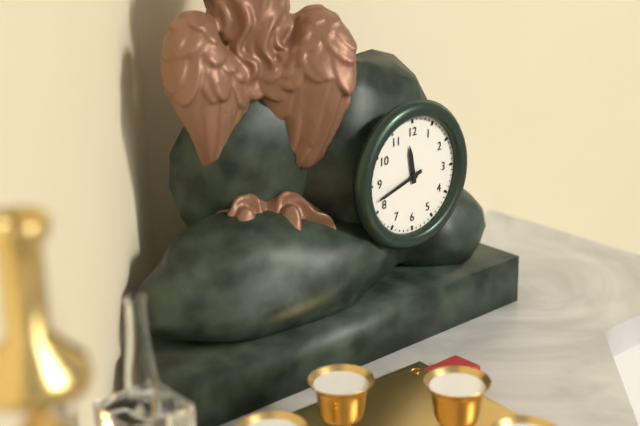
11:42
